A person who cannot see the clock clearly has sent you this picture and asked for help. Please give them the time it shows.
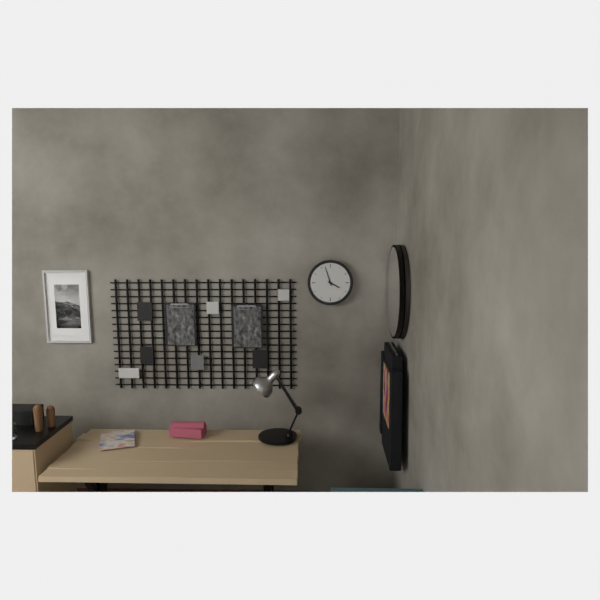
3:57
